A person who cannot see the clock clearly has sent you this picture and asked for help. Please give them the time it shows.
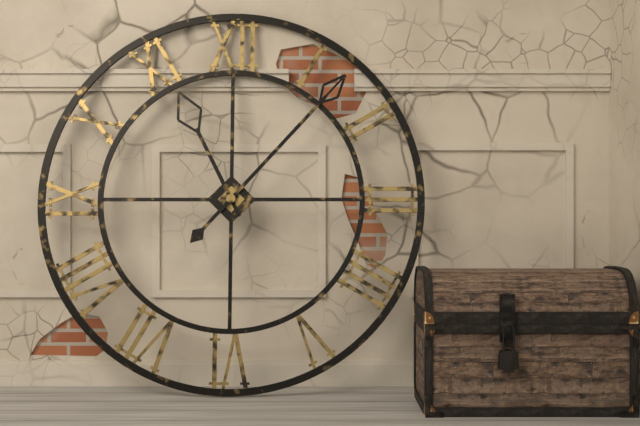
11:07
